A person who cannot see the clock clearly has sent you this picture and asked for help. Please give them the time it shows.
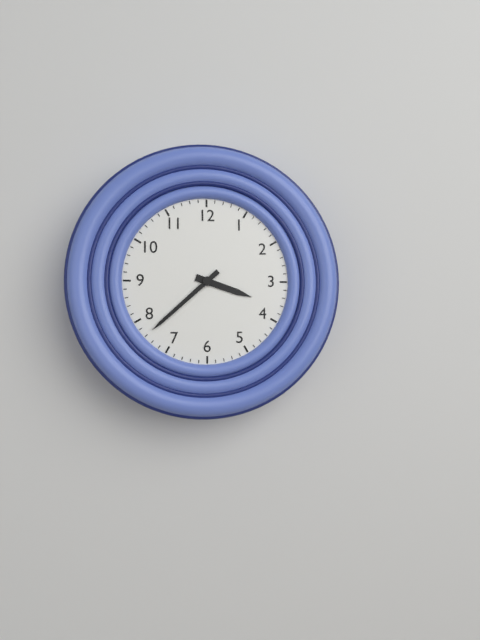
3:38
